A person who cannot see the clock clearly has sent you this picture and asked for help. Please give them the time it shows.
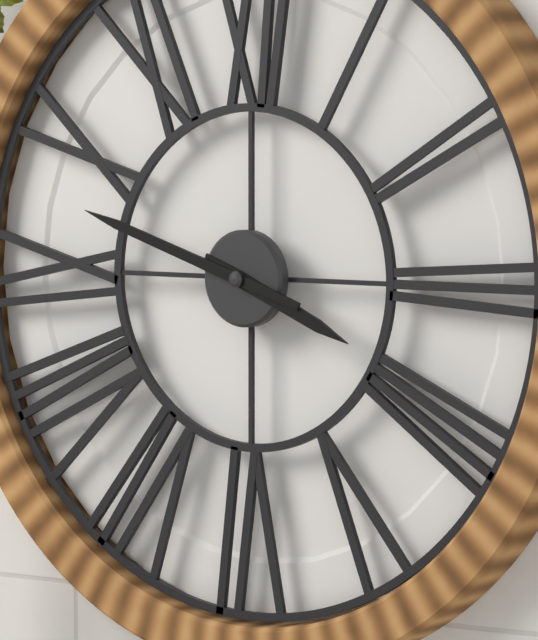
3:48
